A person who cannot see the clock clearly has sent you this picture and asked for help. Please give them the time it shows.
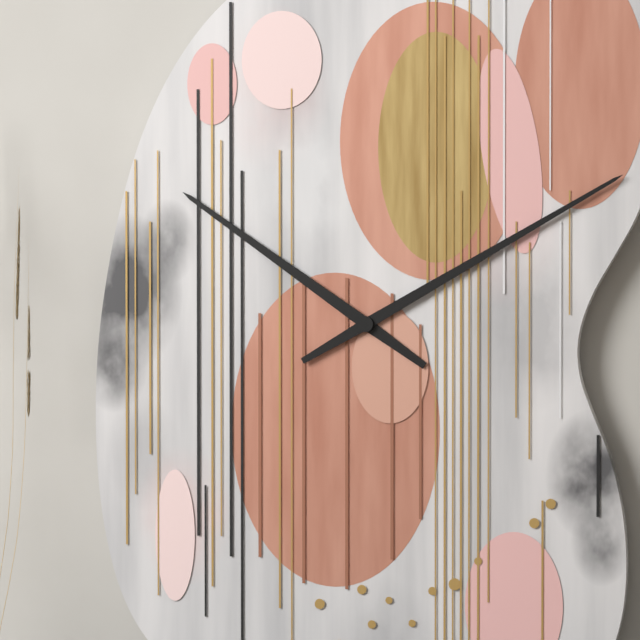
10:10
